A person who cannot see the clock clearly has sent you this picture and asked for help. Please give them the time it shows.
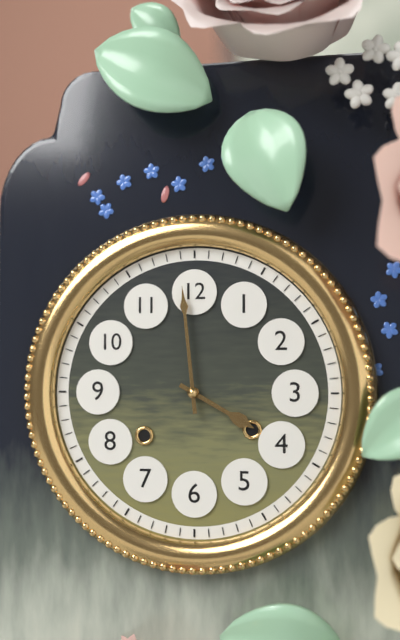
3:59
